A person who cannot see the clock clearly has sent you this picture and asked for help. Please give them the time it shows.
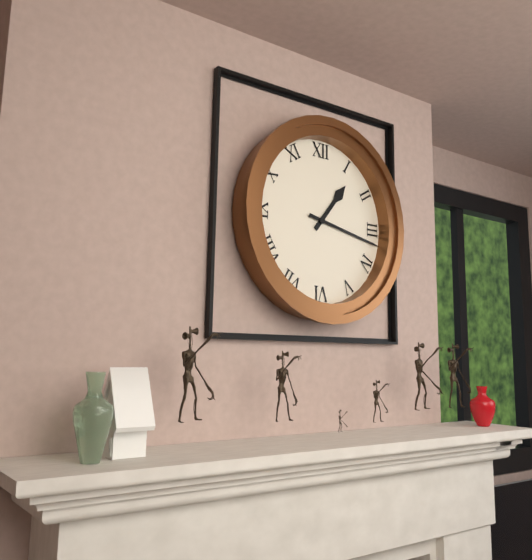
1:17
